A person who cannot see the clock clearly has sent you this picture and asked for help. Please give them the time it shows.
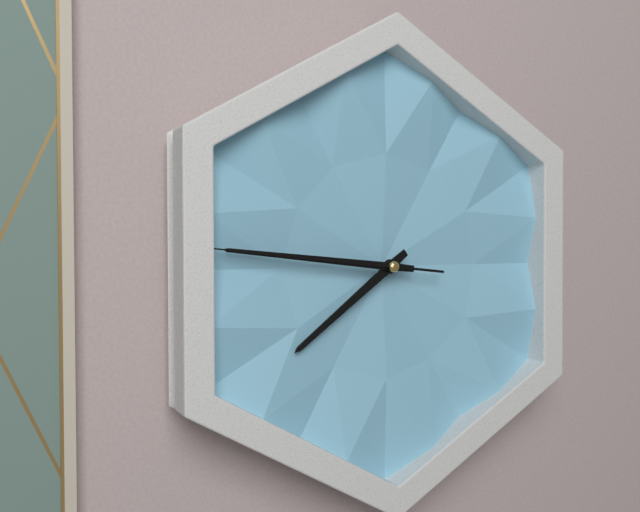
7:46:46
